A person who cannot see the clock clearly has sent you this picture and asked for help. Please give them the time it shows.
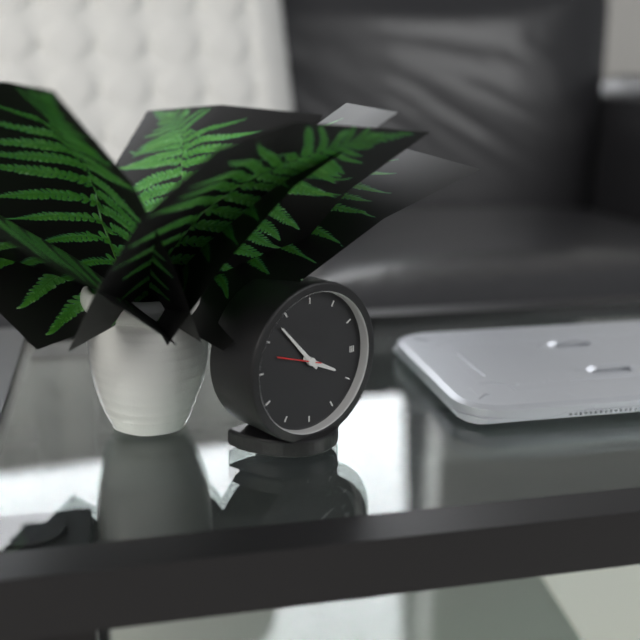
3:53
